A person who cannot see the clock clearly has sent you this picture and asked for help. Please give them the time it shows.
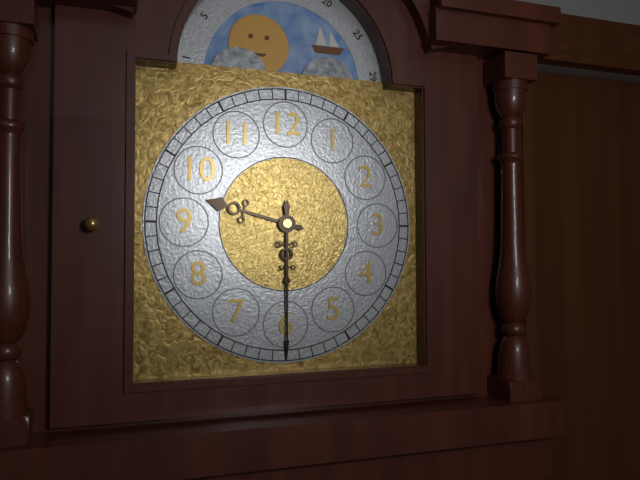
9:30
